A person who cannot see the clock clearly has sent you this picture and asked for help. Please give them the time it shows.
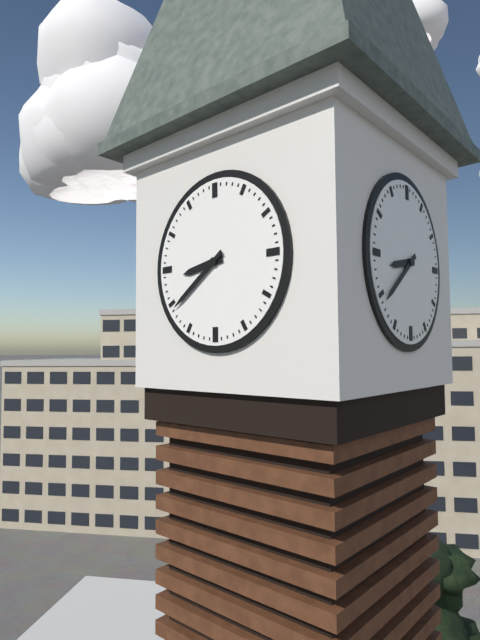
8:39
